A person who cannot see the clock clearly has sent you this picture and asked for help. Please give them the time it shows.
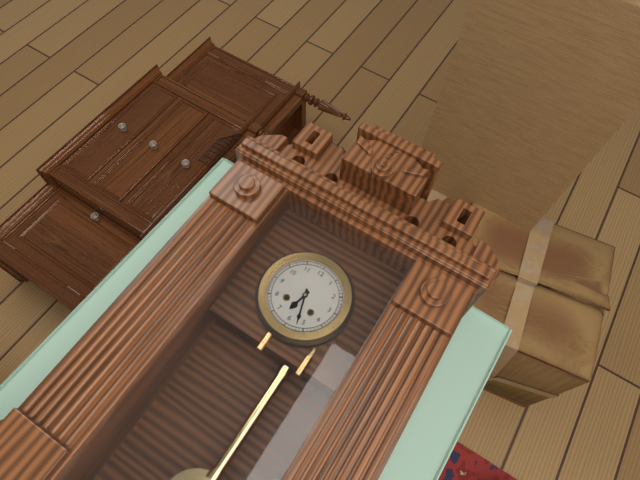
6:27
